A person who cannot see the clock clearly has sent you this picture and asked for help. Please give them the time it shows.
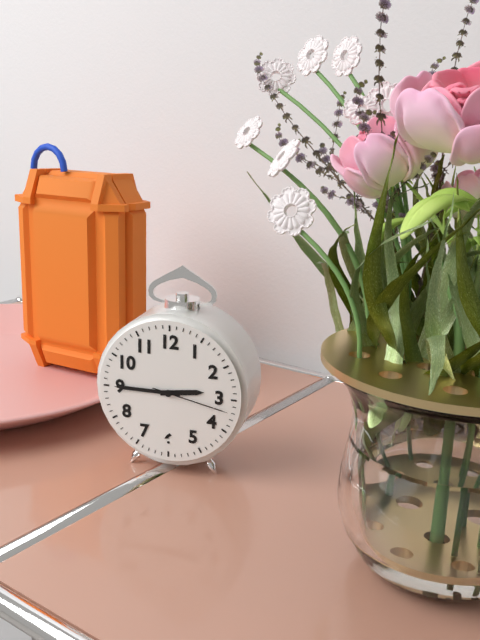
2:45:17
